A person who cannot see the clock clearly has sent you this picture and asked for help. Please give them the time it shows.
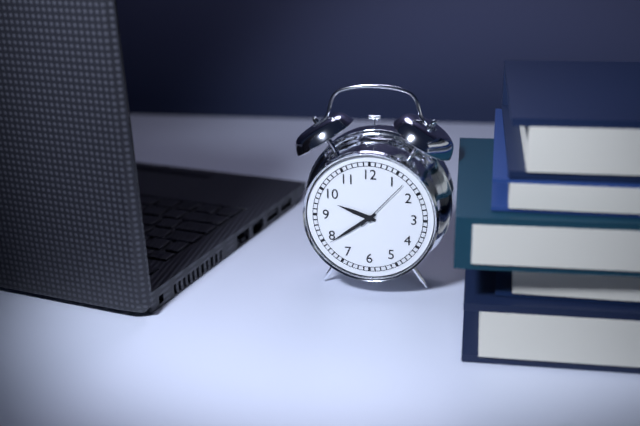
9:39:07
